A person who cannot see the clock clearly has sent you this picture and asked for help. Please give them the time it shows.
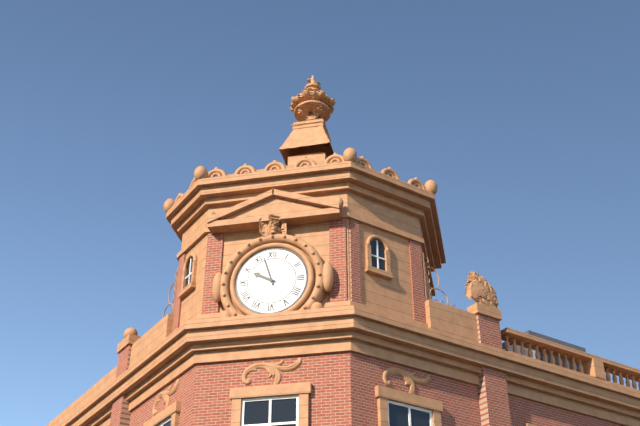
9:57
